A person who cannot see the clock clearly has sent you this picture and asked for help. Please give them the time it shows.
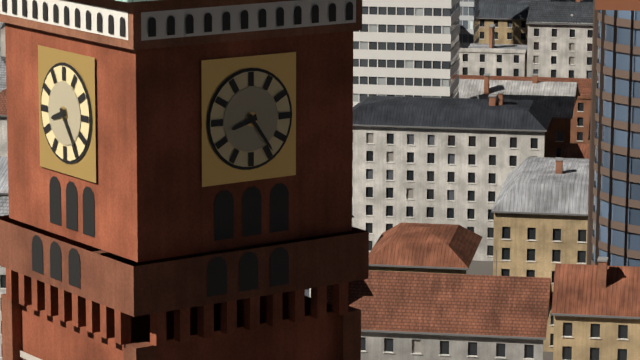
8:24
